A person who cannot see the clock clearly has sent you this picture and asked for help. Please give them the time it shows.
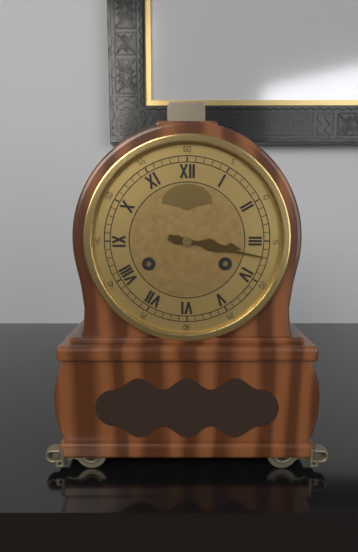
3:17
